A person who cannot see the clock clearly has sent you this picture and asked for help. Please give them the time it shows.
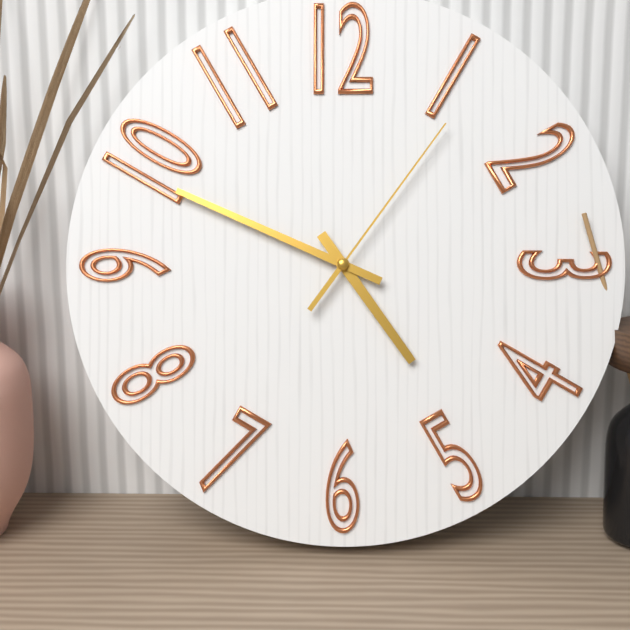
4:49:06
